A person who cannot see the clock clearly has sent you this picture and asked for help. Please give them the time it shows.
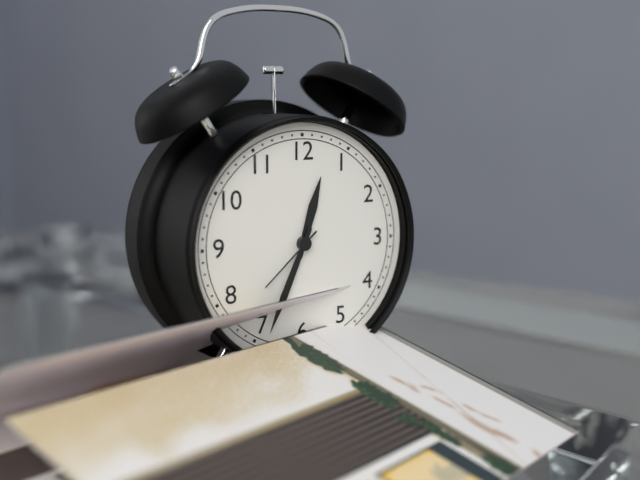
12:34:38
